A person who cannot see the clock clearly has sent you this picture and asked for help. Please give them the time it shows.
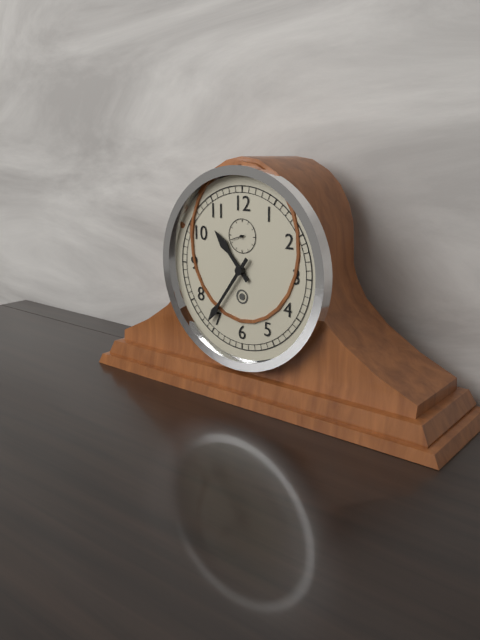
10:36
